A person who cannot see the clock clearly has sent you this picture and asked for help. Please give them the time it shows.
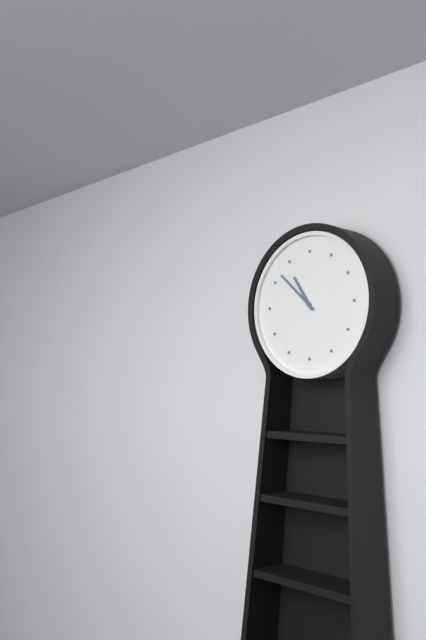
10:52
